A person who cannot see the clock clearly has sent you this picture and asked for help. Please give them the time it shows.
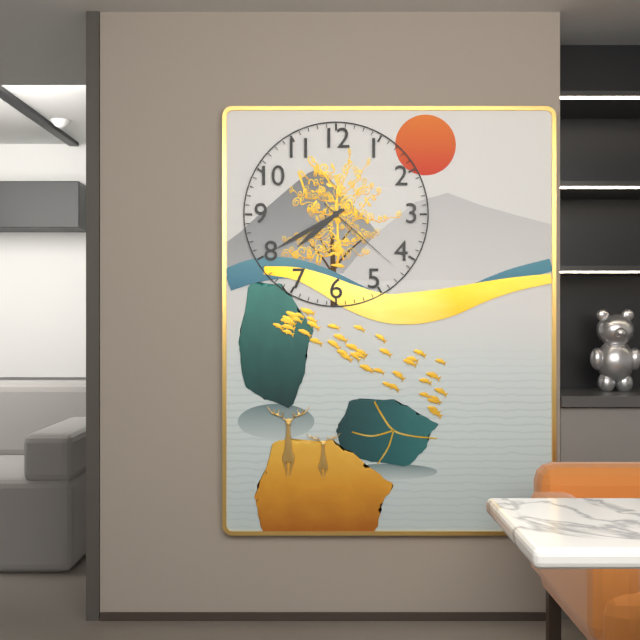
7:40:22
